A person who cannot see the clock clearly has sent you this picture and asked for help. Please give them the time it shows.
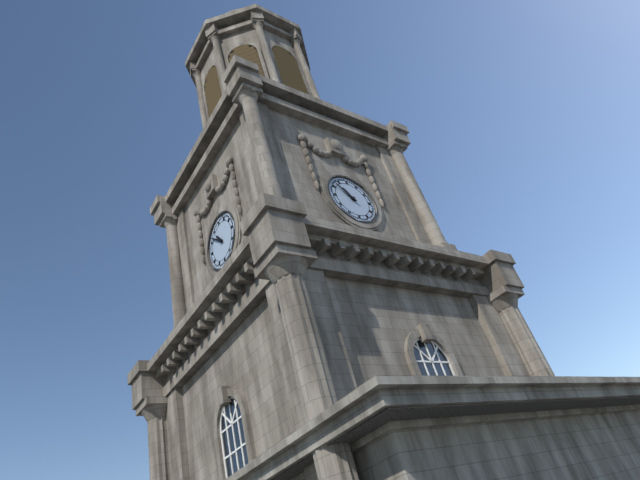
10:52
